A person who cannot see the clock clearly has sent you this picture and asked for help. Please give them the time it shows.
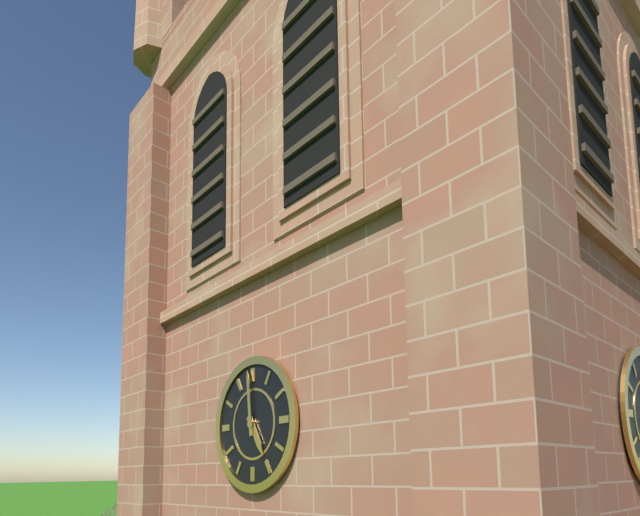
4:59
